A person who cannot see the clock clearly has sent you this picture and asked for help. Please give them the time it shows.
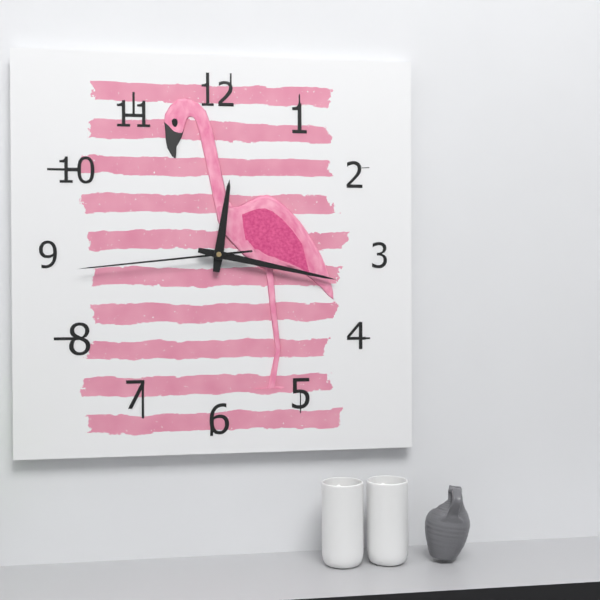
12:17:44
